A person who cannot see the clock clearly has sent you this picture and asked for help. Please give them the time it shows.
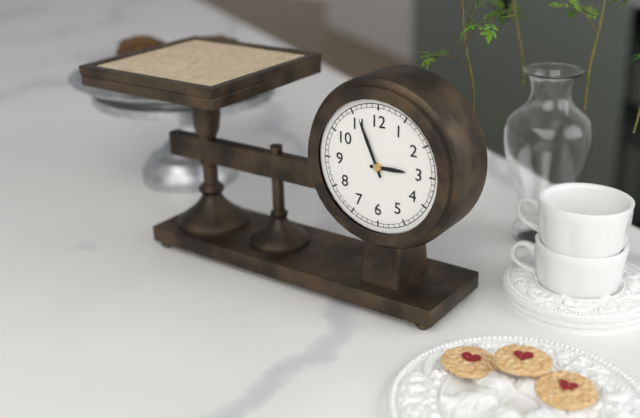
2:56
